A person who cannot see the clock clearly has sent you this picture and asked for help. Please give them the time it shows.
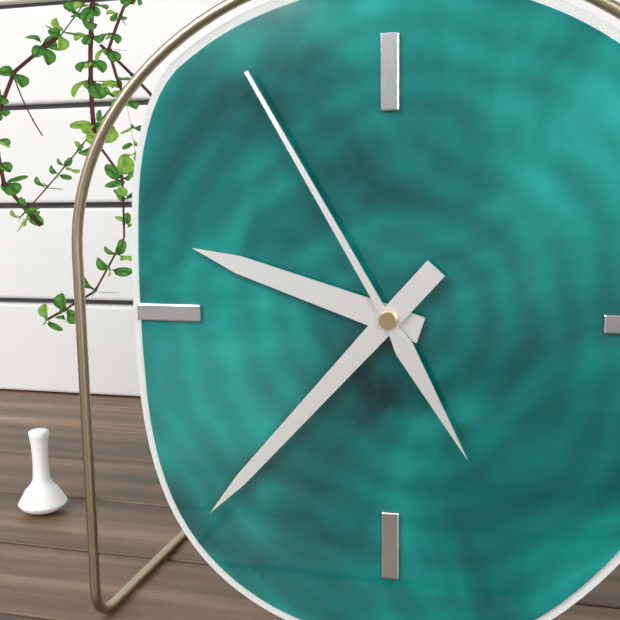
9:37:55
